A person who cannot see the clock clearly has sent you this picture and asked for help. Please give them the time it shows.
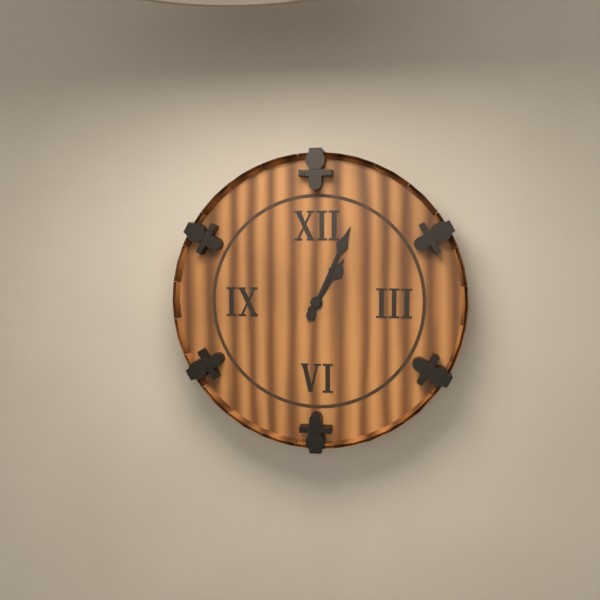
1:04
